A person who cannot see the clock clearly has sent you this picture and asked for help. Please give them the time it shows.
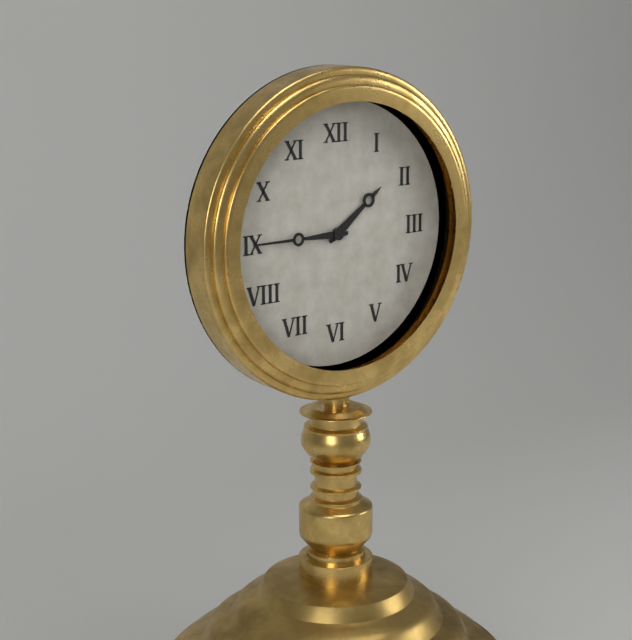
1:45
